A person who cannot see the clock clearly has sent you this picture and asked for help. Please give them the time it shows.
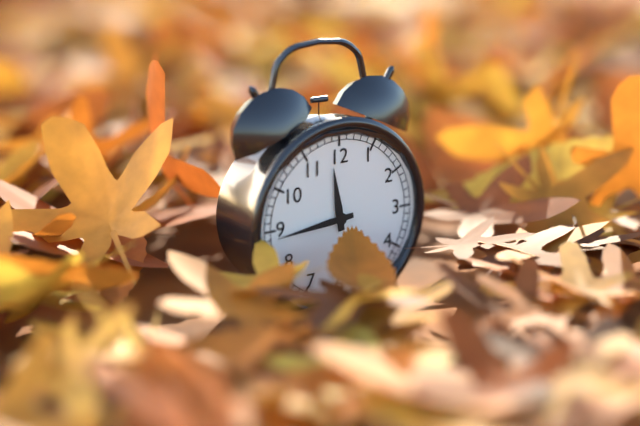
11:44
